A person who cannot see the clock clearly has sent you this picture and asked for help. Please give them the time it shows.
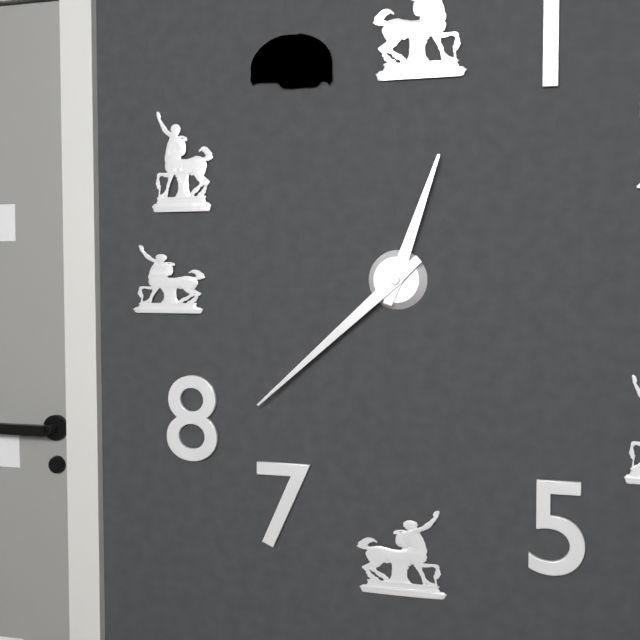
12:38
